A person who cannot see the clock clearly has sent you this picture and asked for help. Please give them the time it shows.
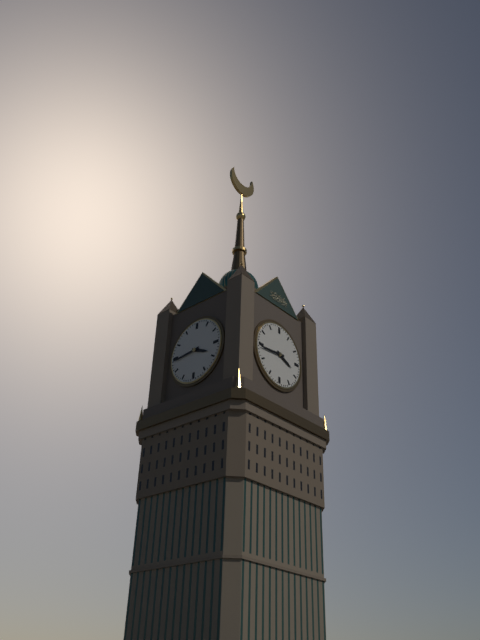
3:44
